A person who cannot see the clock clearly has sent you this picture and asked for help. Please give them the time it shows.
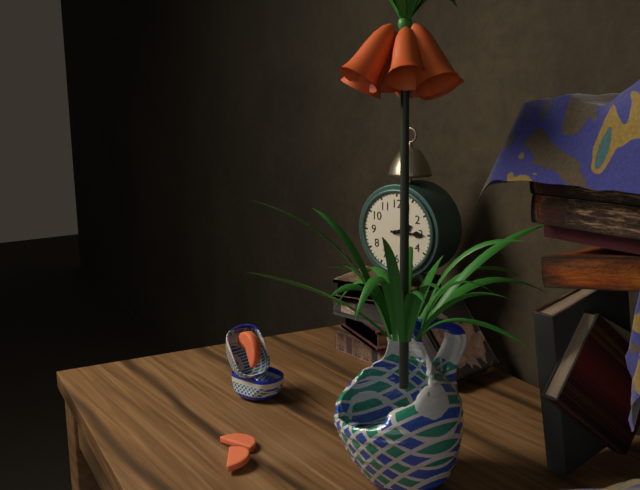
2:15
